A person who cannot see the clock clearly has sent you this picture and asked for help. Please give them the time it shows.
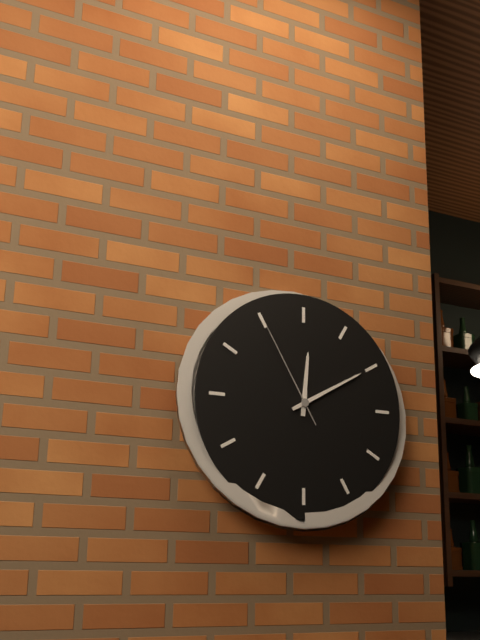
12:10:55
